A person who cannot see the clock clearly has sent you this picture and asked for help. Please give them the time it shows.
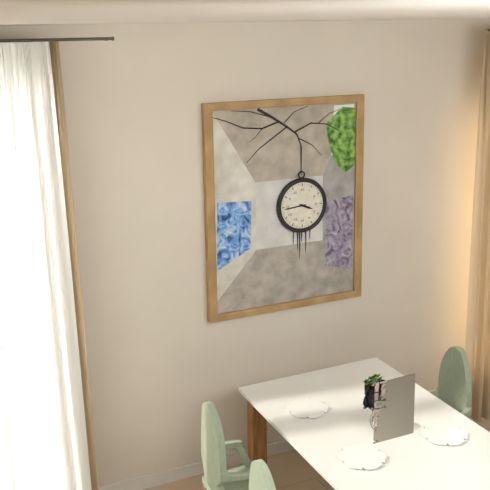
3:44
